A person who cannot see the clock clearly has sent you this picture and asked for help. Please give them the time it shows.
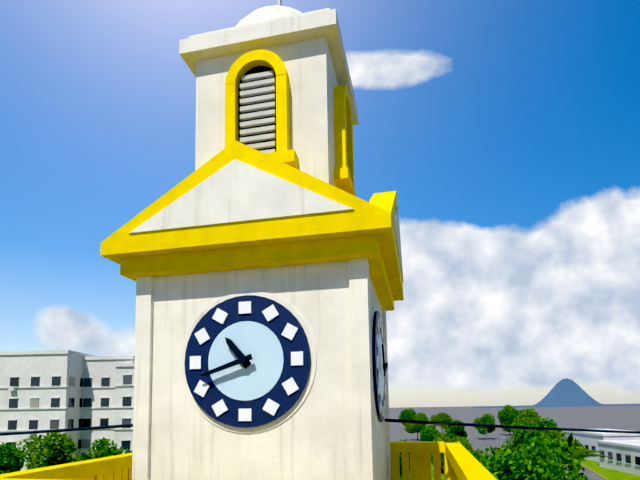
10:42
